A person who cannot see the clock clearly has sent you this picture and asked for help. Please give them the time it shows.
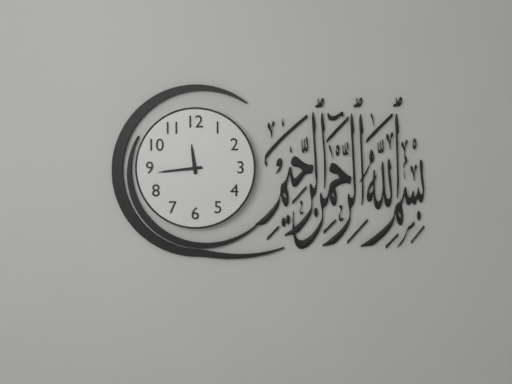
11:44
